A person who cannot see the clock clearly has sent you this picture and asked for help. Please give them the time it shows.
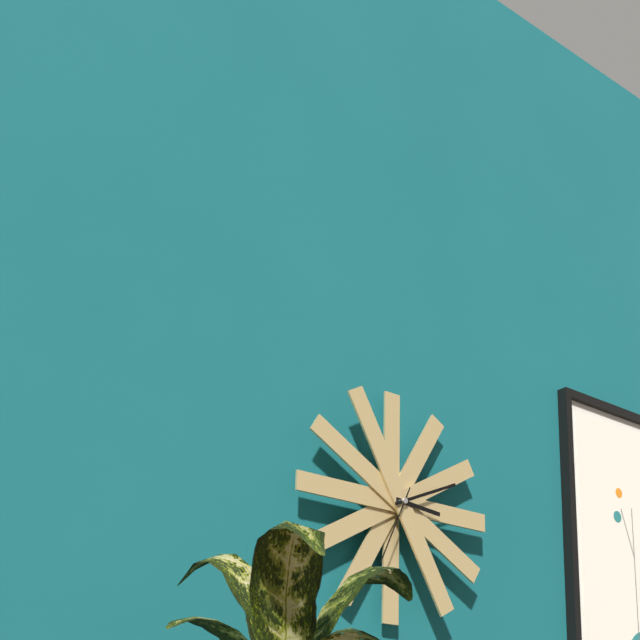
3:11:34
